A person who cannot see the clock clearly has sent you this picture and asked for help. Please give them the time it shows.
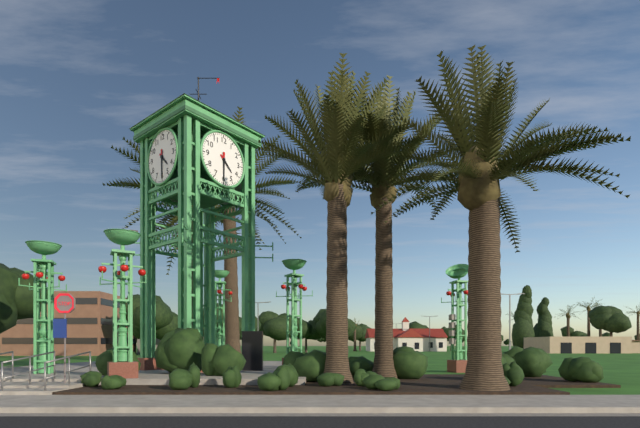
4:30
